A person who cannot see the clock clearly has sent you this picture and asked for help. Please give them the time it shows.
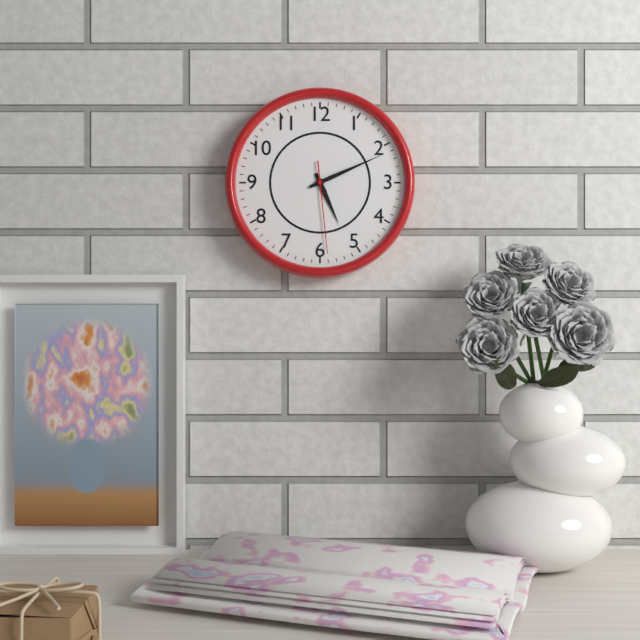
5:11:29
